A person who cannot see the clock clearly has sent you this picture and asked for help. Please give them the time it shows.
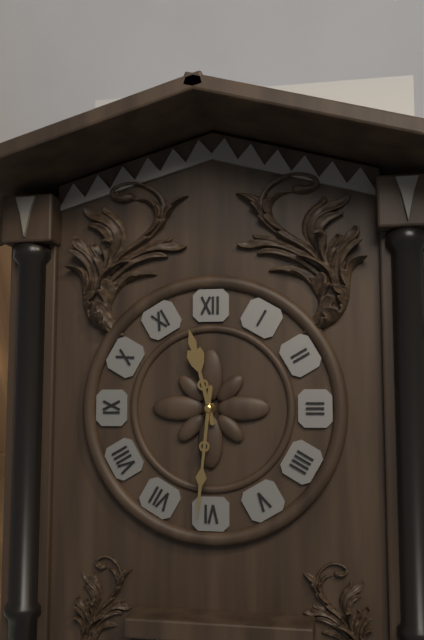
11:31
